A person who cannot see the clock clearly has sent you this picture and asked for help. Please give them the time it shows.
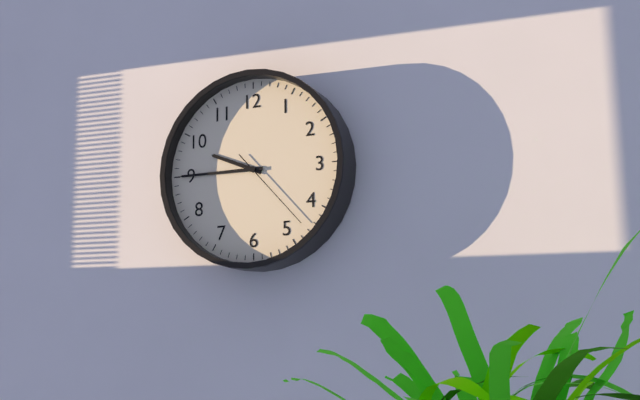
9:45:23
